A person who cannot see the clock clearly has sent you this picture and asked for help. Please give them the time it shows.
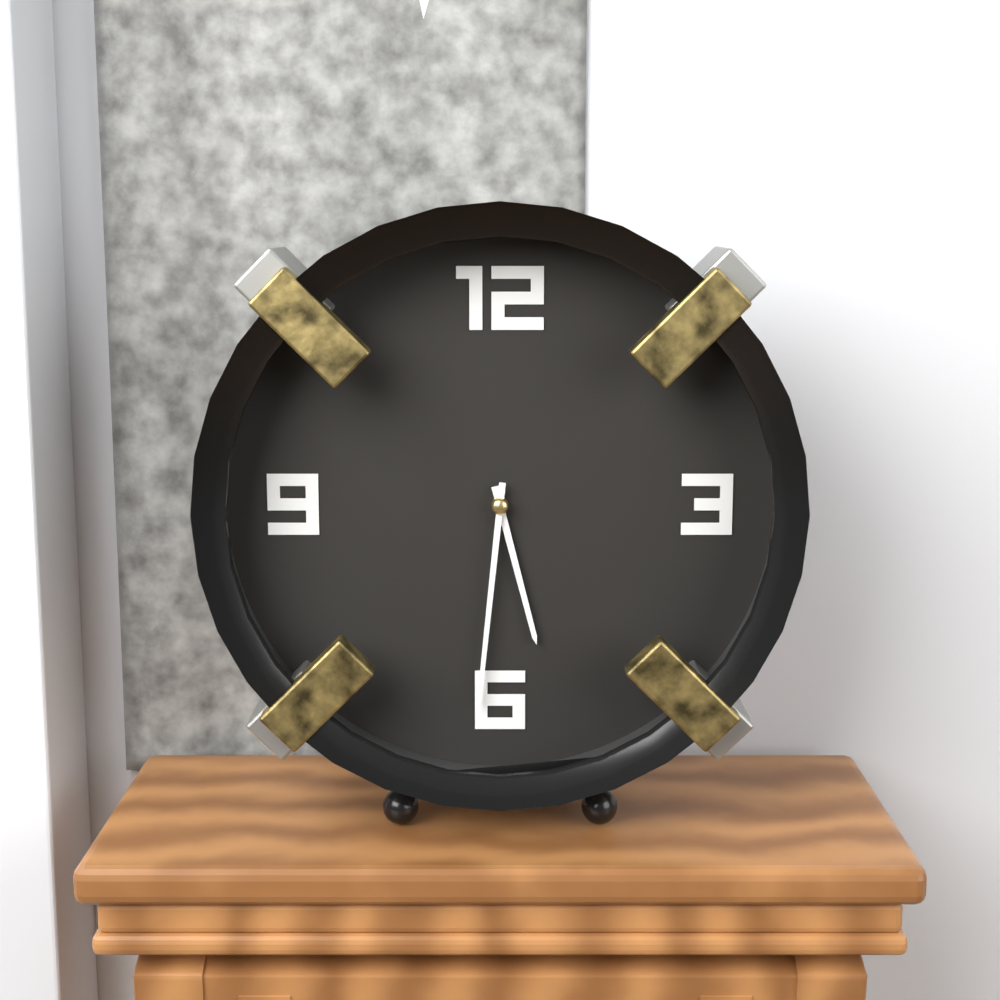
5:31
